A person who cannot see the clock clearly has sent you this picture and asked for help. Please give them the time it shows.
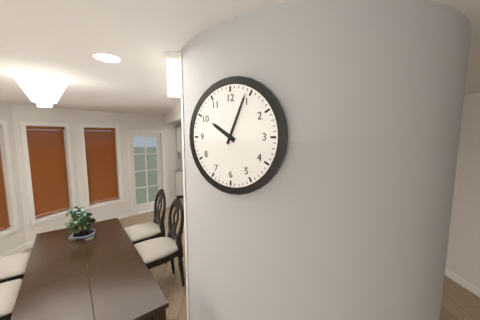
10:04
